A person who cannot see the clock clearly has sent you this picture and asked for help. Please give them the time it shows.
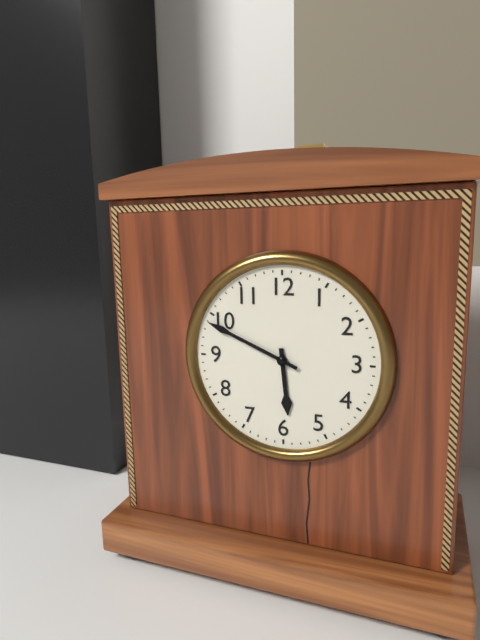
5:49
